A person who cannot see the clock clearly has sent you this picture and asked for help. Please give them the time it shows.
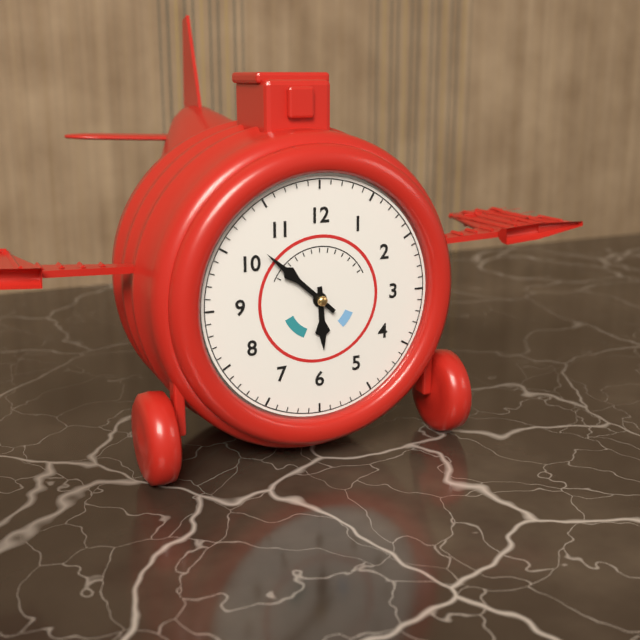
5:52
